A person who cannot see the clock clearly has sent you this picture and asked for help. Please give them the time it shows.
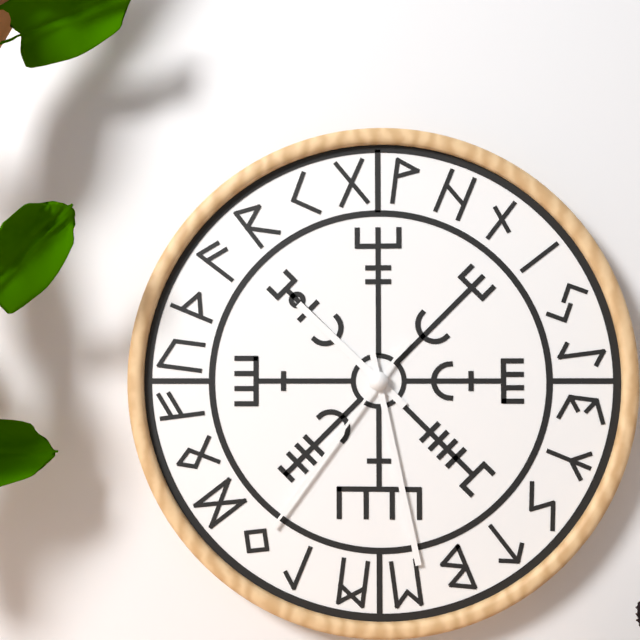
10:28:36
